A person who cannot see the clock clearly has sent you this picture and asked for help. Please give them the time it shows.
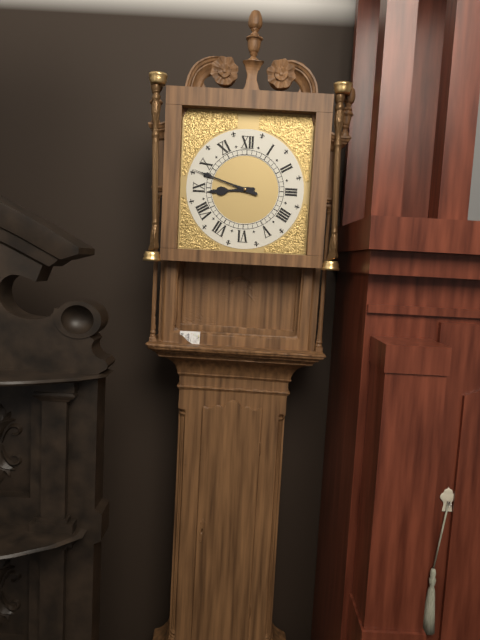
8:48
